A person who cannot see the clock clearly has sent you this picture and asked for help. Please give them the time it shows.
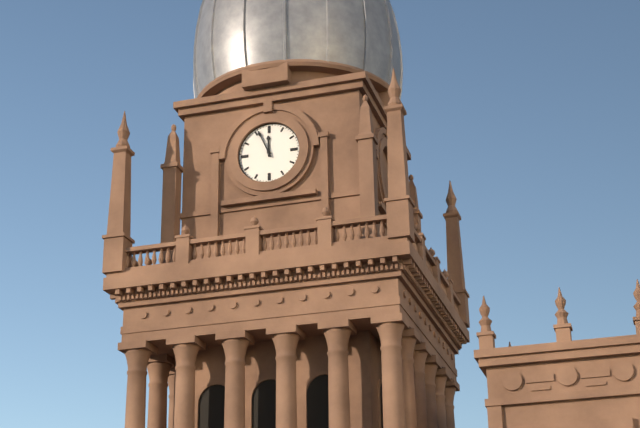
11:56
